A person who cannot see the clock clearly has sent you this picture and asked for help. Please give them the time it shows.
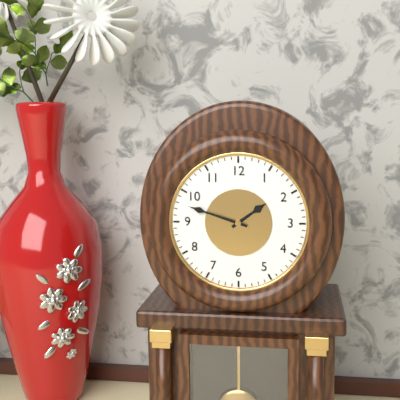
1:48
